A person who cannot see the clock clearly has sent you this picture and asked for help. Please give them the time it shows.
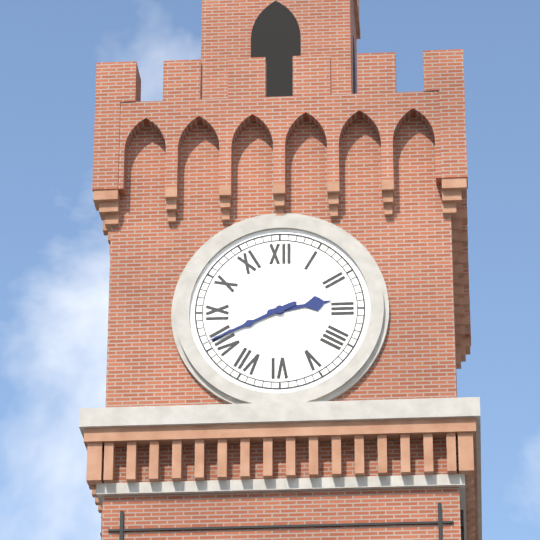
2:41
